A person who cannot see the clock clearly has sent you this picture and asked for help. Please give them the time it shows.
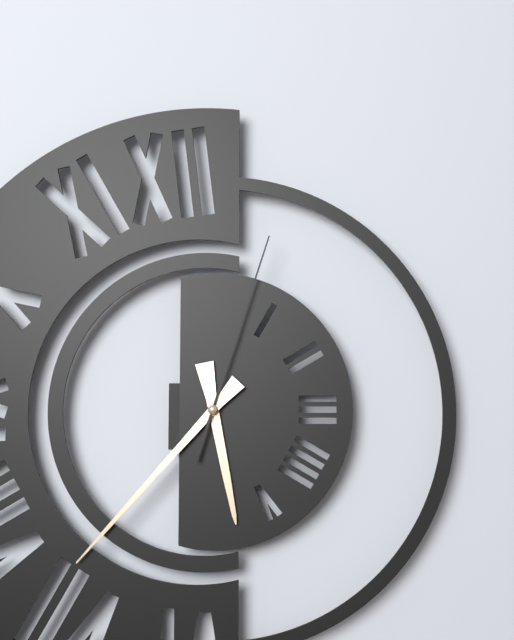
5:37:03
